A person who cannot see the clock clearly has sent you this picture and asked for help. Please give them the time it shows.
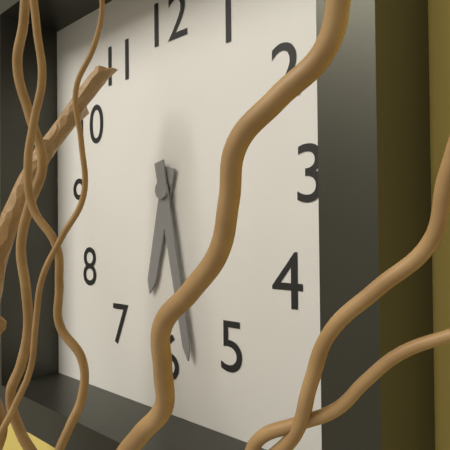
6:28
